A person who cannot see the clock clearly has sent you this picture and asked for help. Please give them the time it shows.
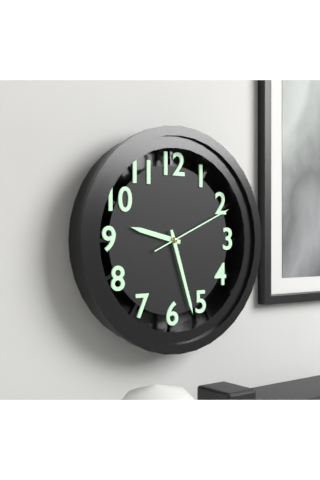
9:27:11
